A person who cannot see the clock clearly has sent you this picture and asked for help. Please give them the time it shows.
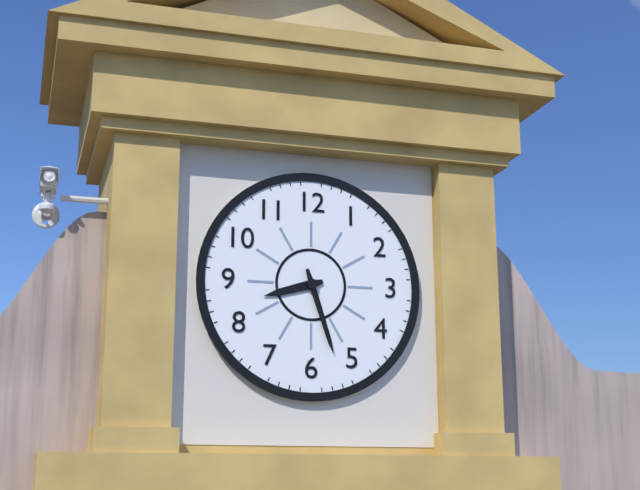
8:27
